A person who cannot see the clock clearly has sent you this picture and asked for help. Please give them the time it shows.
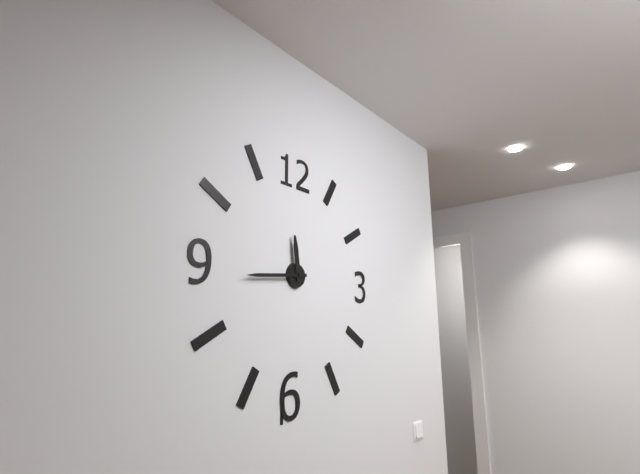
11:44
